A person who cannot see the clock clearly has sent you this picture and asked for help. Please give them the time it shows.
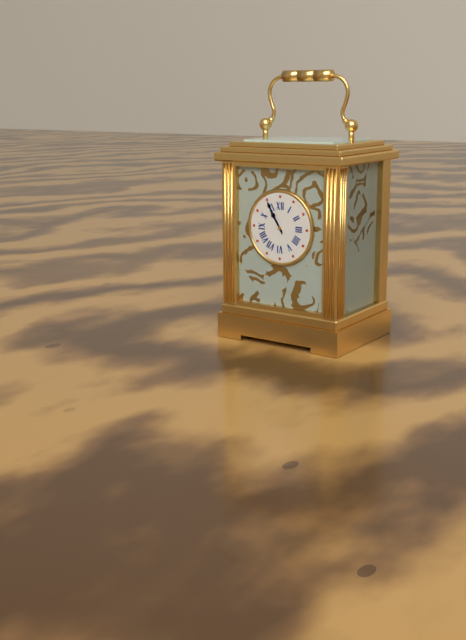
10:55
